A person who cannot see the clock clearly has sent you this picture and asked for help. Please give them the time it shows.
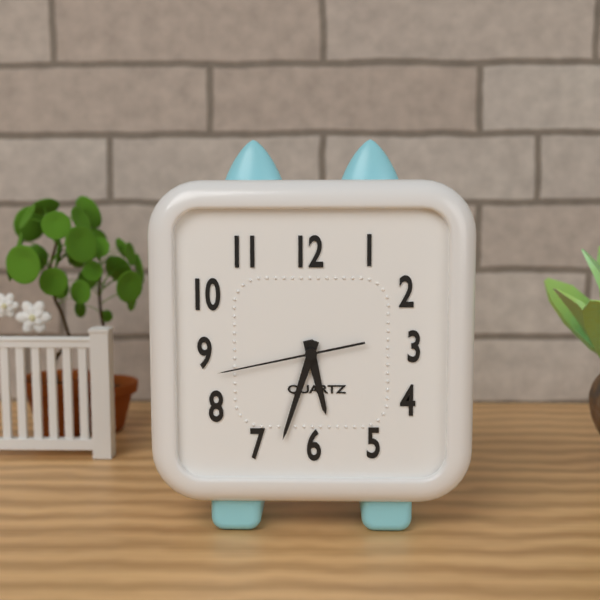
5:33:43
